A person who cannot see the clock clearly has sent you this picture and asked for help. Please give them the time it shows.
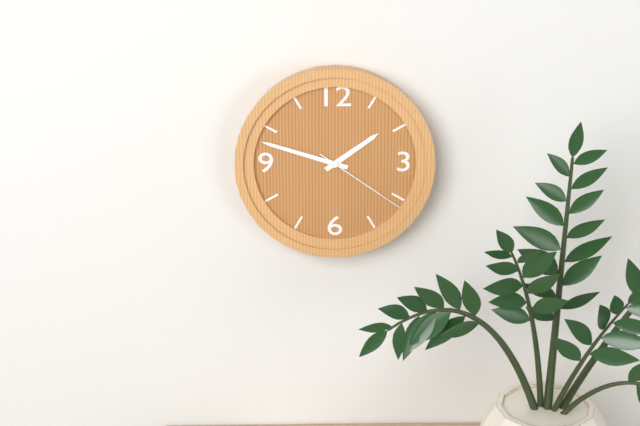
1:48:21
